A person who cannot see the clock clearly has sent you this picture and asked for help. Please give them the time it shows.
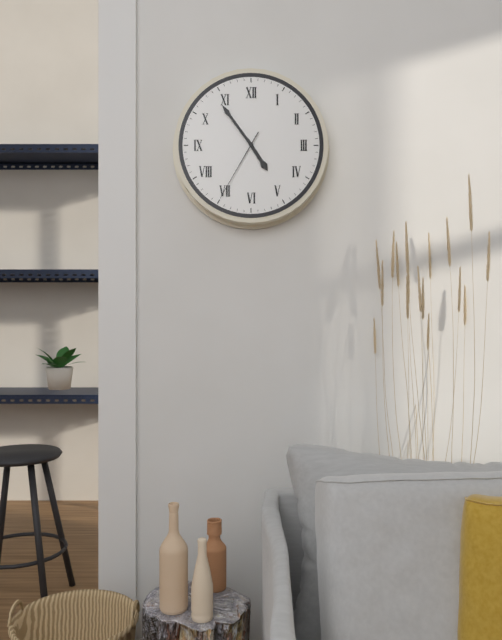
4:54:35
